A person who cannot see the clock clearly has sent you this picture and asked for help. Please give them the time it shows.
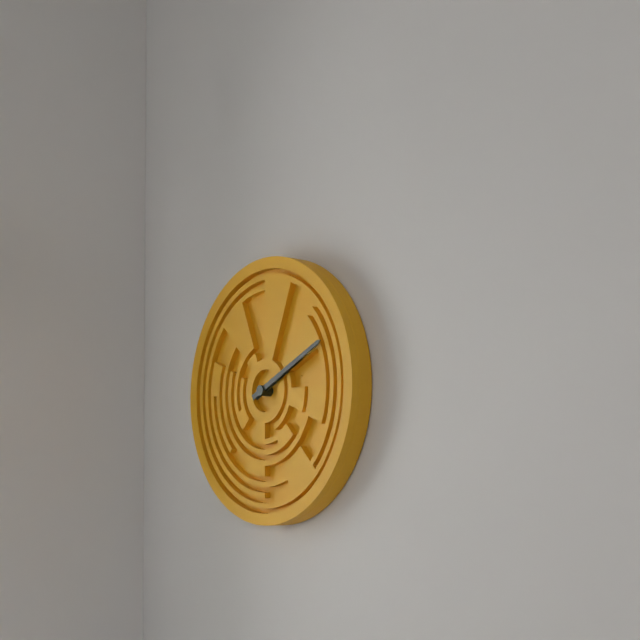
2:11
